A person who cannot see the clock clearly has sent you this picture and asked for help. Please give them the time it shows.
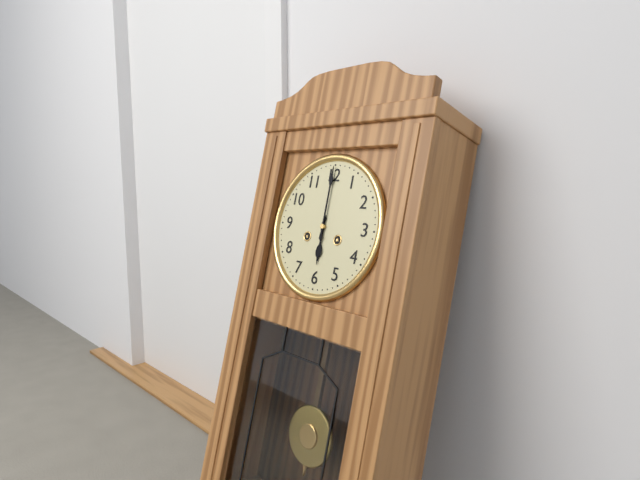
6:00
